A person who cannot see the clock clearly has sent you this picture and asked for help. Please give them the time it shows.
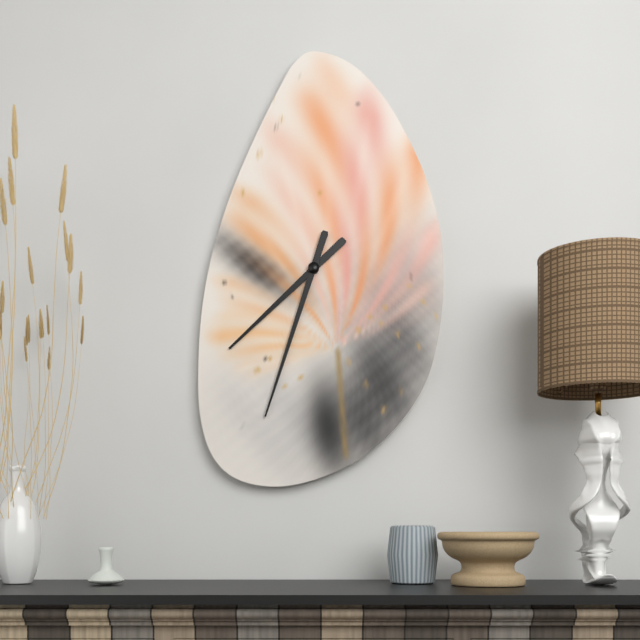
7:33
